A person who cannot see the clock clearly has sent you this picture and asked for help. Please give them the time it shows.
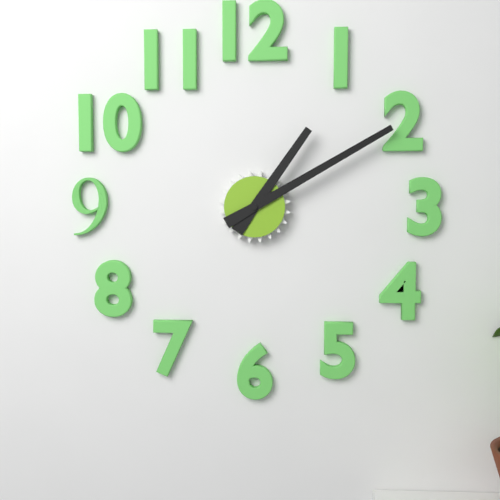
1:10
